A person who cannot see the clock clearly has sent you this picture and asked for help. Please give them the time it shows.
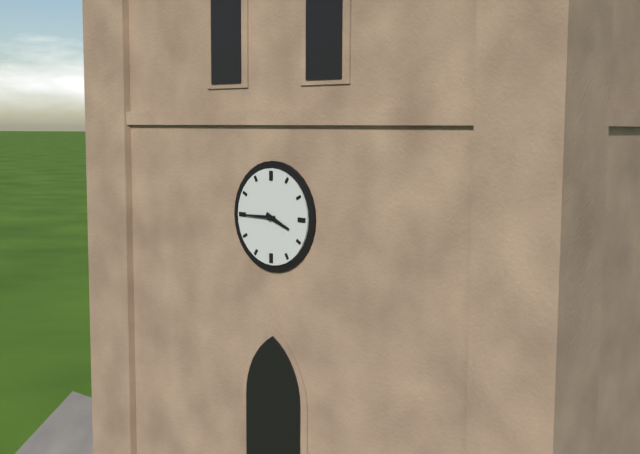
3:45
